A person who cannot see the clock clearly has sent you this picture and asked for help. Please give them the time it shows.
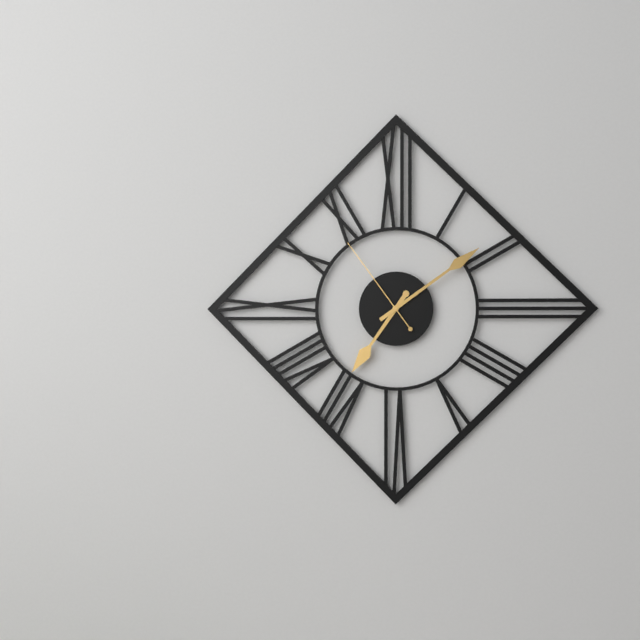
7:09:54
